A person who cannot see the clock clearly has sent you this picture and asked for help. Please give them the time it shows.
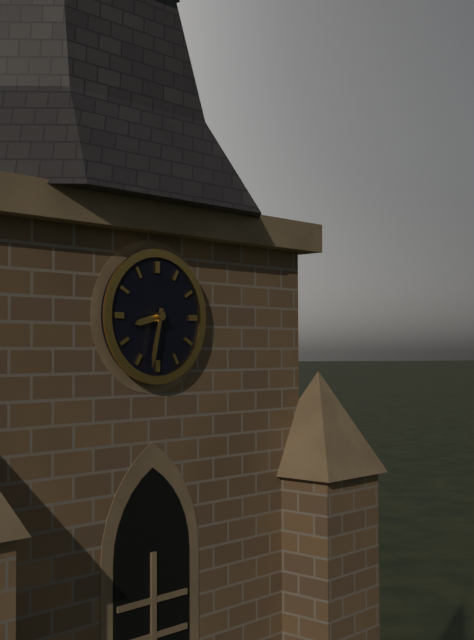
8:32
